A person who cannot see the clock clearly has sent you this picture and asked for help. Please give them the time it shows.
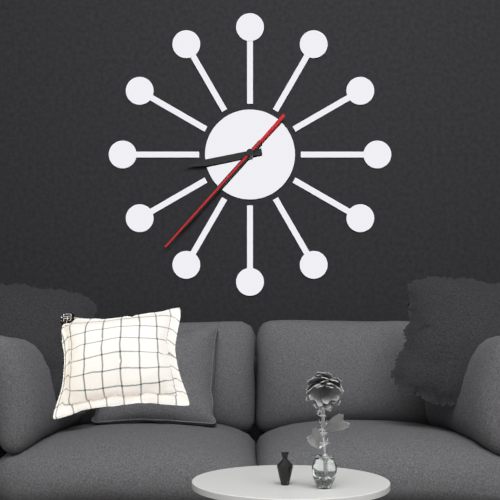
8:37:37
